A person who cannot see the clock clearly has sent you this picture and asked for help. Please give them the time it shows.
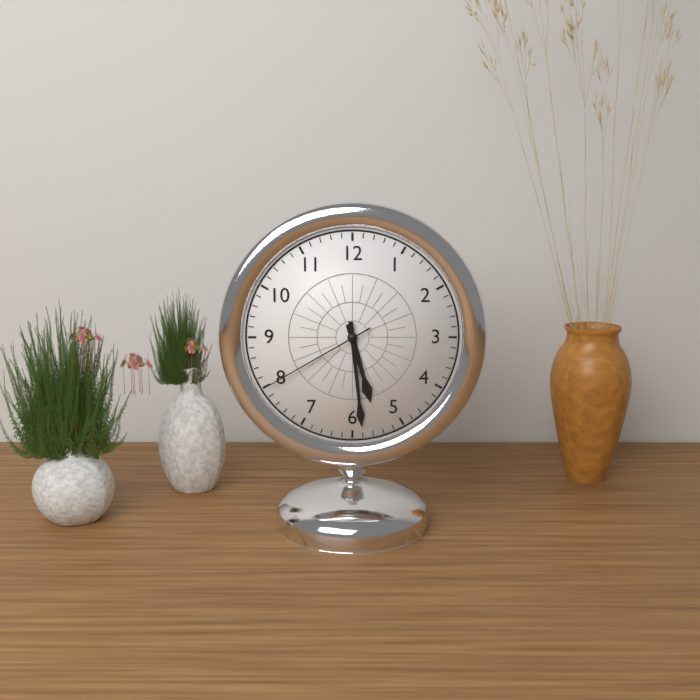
5:29:40
